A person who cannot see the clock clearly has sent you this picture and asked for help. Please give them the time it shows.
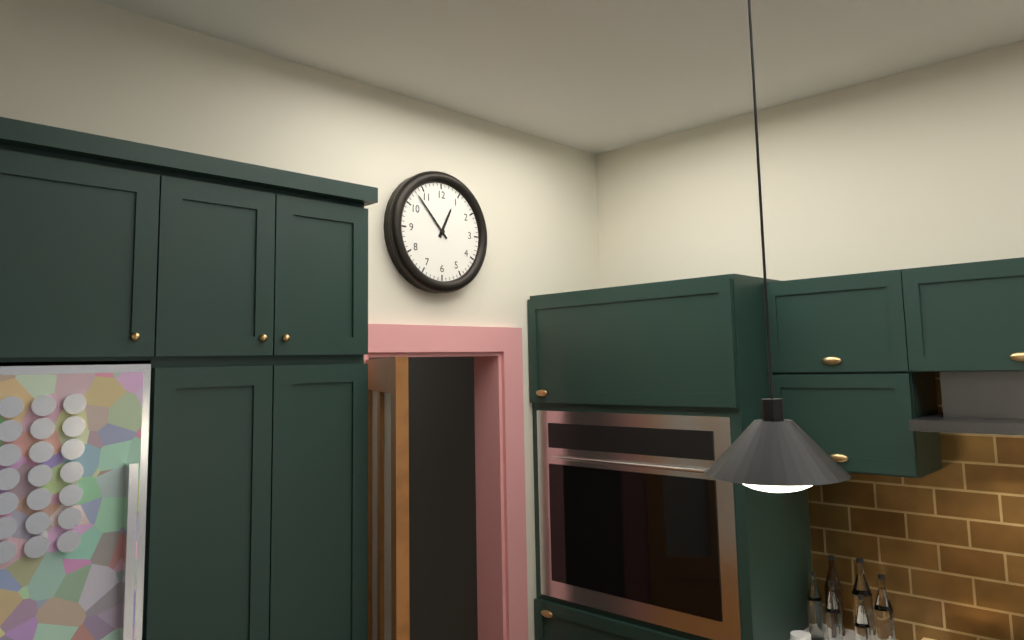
12:53
